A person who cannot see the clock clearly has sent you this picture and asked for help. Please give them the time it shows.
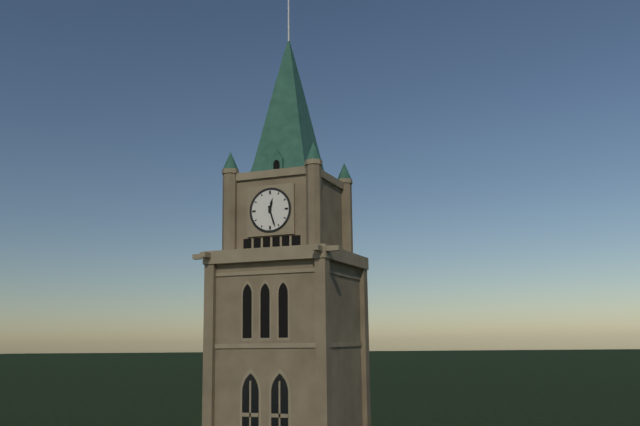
12:27
